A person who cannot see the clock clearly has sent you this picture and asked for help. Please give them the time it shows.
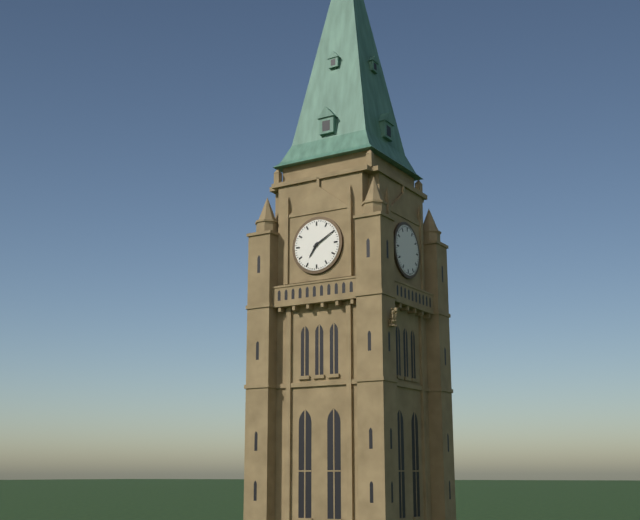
7:10
